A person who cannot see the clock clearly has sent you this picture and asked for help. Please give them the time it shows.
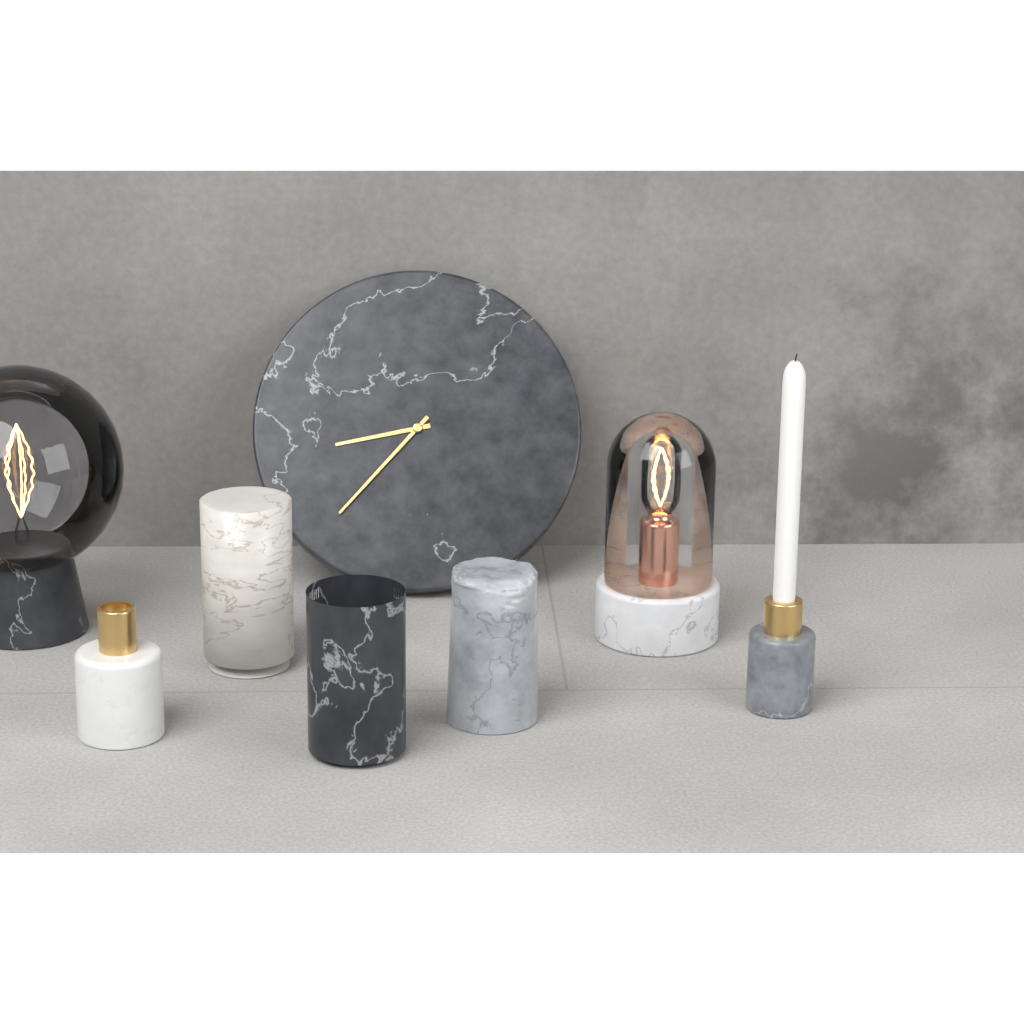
8:37
